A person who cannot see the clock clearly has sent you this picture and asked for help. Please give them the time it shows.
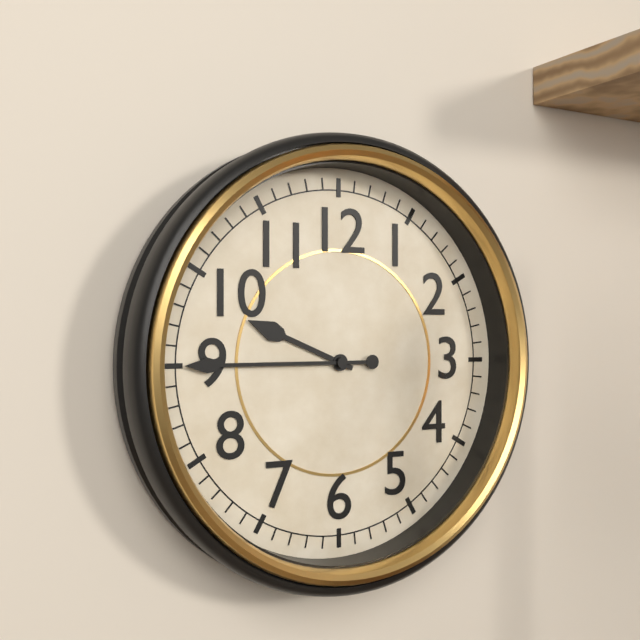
9:45
